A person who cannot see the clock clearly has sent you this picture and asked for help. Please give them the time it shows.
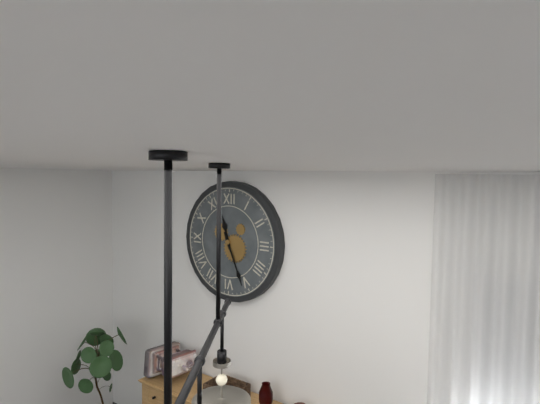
11:26
